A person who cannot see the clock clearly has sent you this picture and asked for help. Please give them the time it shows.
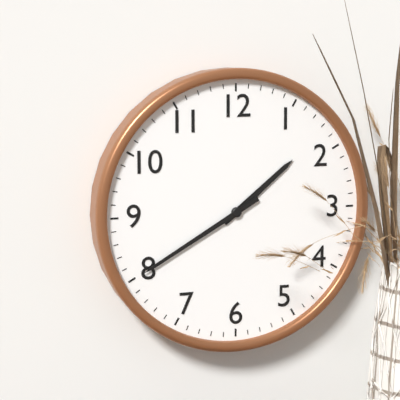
1:40
